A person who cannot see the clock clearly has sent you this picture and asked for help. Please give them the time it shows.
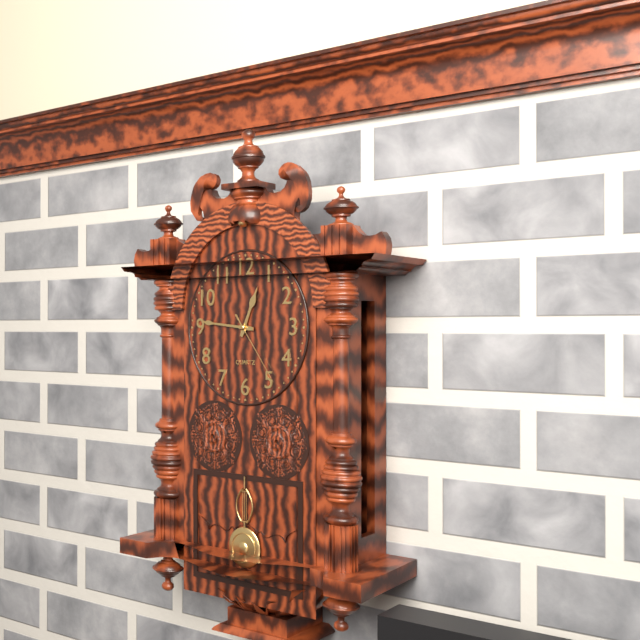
12:46:24
